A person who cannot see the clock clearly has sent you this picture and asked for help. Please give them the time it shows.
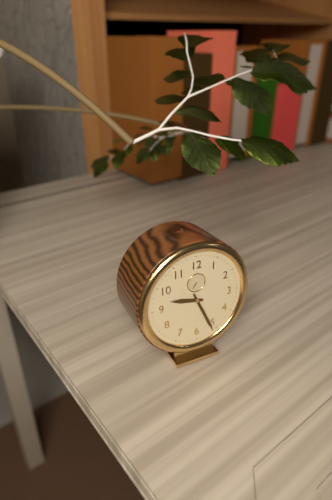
9:26
